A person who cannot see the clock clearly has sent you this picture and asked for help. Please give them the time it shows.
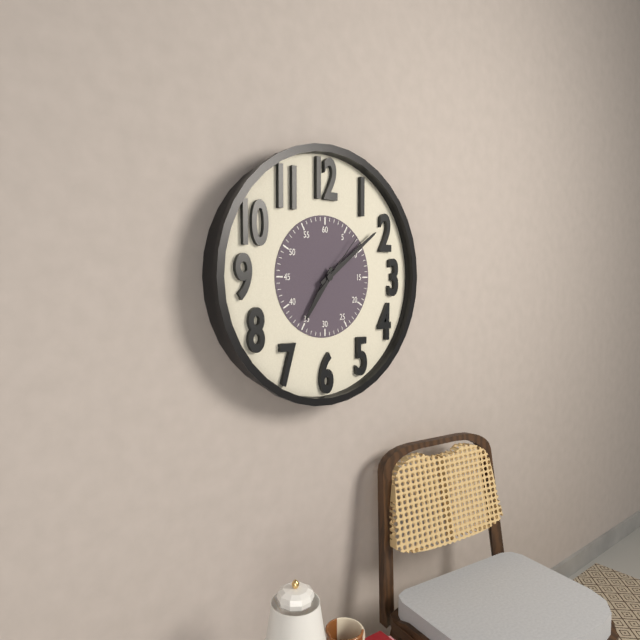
7:09:07
